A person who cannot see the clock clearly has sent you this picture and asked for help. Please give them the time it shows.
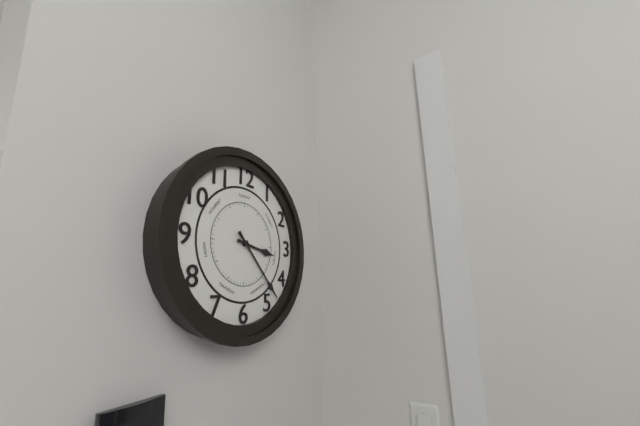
3:23
